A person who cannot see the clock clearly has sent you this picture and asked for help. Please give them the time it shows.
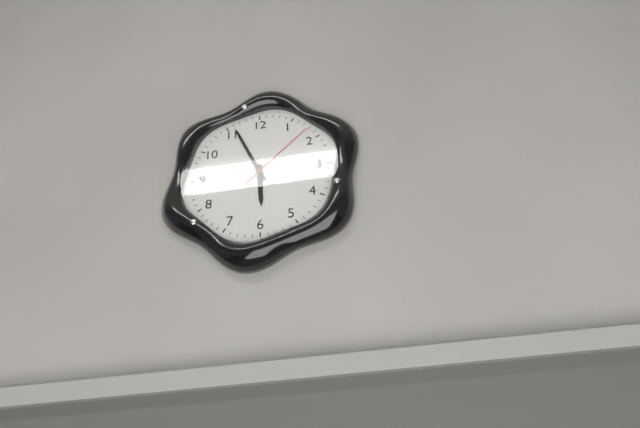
5:56:08
